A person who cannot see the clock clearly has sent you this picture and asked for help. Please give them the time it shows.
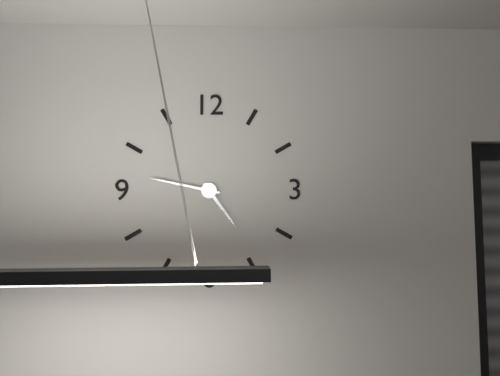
4:47
